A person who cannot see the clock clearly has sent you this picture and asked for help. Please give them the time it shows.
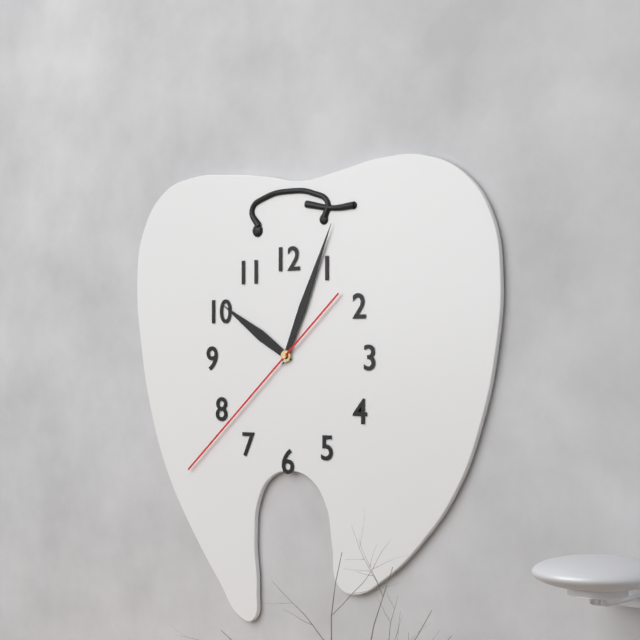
10:04:38
